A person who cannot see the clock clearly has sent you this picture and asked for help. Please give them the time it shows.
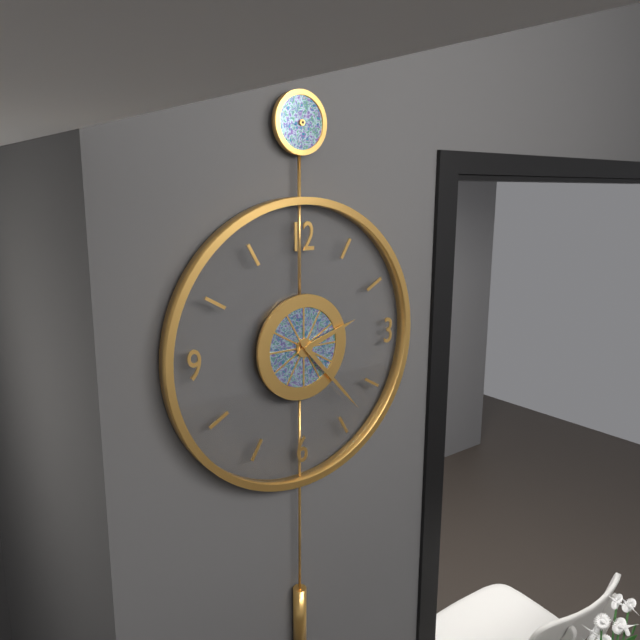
2:23
